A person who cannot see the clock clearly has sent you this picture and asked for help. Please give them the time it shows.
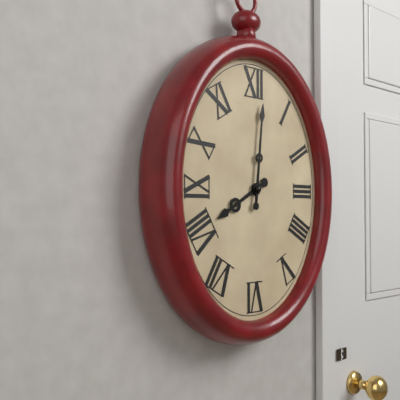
8:01
